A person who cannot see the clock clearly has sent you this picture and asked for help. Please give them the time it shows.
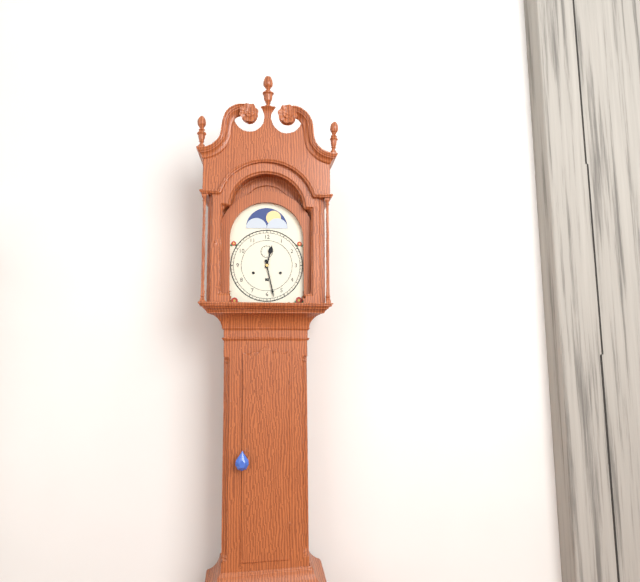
12:28
